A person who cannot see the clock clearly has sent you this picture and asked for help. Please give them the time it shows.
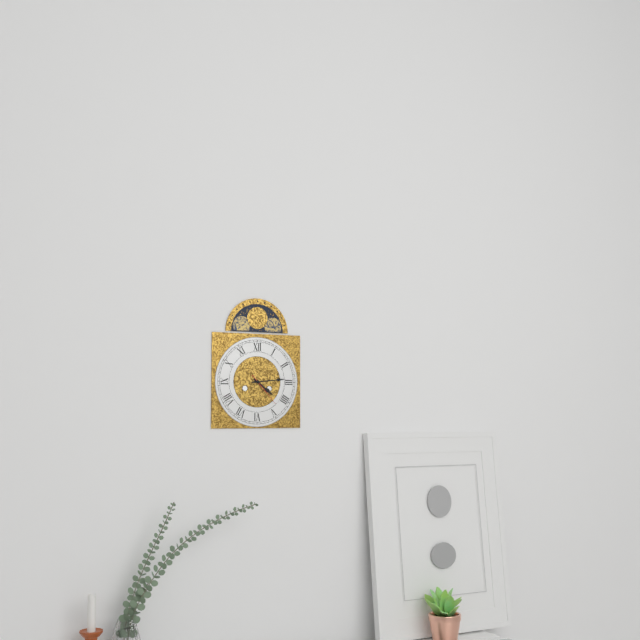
4:14
